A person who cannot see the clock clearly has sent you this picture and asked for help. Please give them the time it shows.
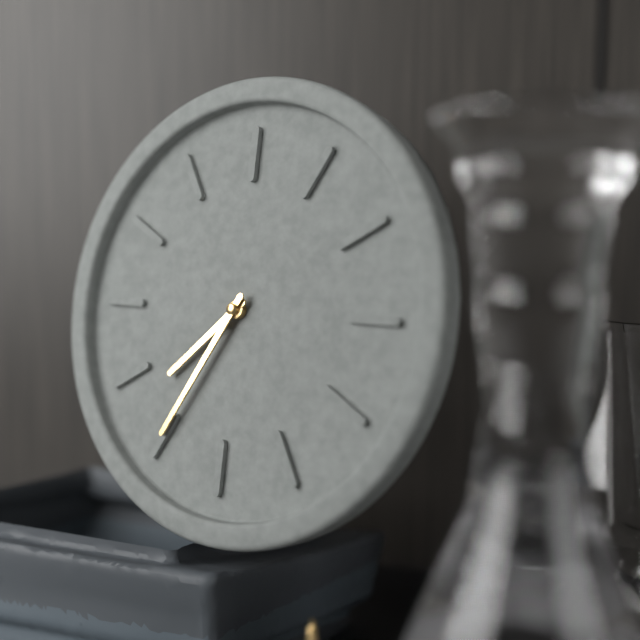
7:35
